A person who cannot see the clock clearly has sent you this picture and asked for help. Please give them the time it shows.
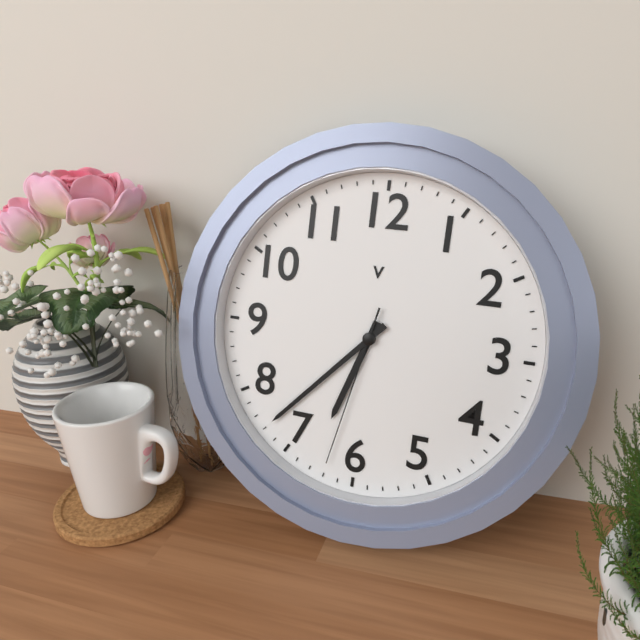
6:37:32
